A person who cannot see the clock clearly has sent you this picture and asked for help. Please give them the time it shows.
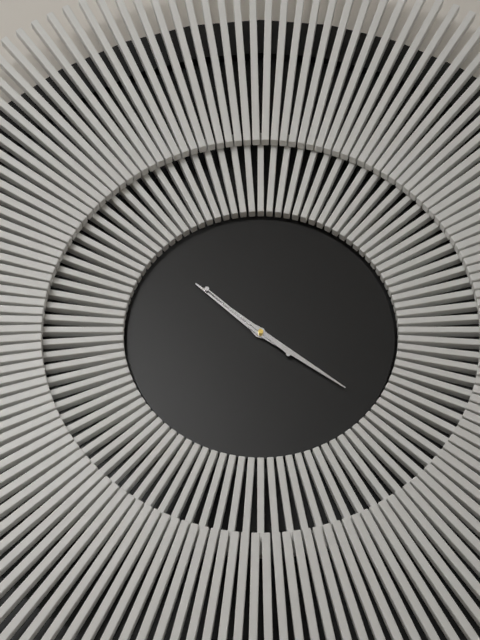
10:21:52
